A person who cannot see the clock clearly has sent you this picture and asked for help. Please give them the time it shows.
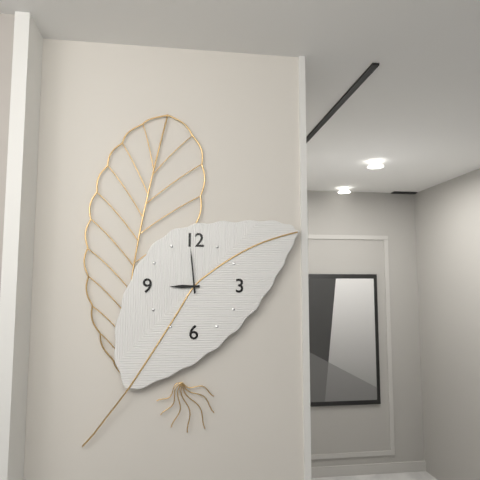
8:59
